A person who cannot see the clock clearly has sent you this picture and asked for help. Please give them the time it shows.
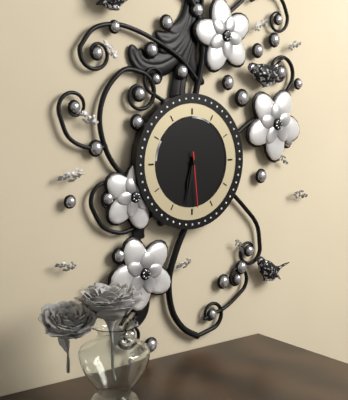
6:32:29
